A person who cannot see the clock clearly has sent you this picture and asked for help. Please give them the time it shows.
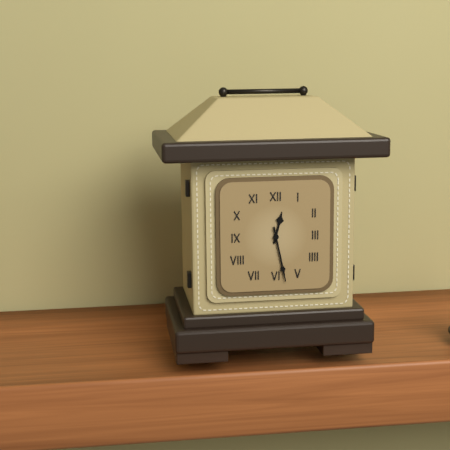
12:28
